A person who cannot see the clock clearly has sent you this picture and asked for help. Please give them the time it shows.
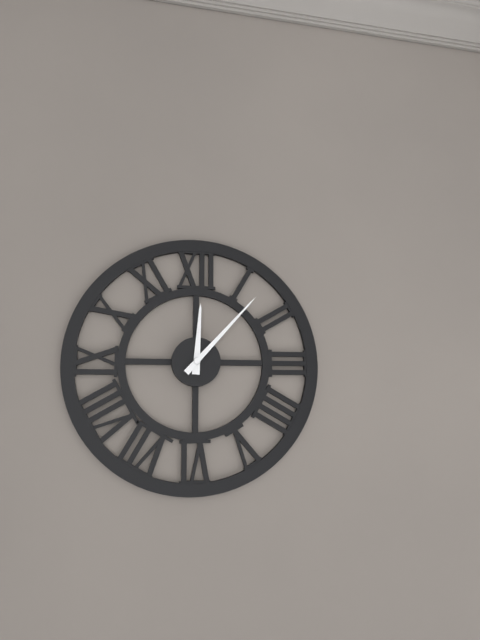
12:07
